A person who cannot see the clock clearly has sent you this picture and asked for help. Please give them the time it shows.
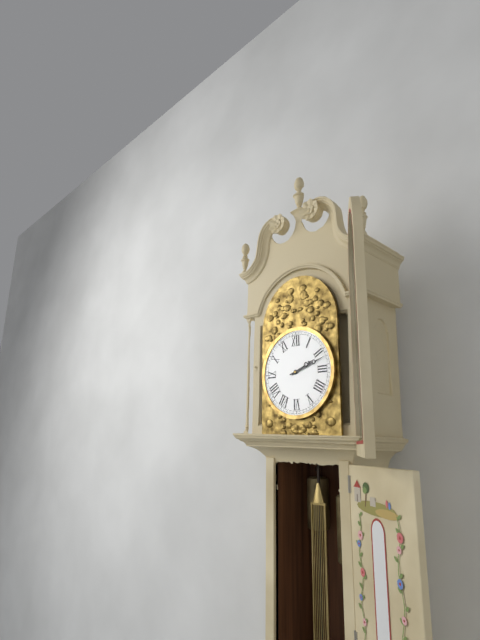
2:12
